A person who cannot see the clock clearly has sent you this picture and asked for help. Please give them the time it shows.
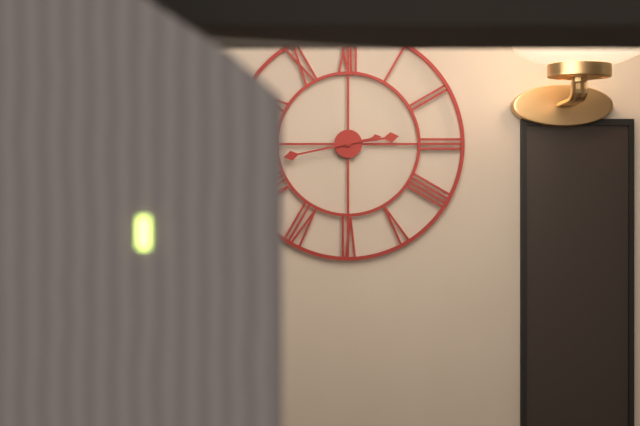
2:43
